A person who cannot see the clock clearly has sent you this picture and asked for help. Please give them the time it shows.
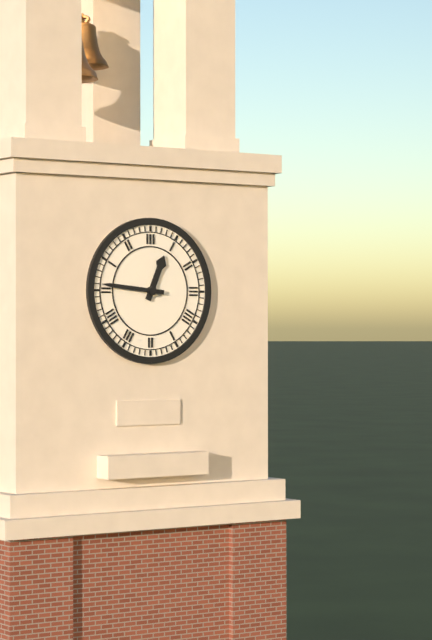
12:46
